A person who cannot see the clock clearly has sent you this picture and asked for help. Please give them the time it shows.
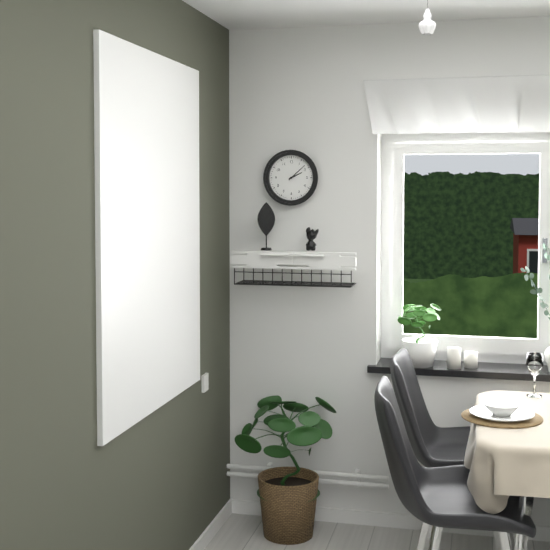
2:08
